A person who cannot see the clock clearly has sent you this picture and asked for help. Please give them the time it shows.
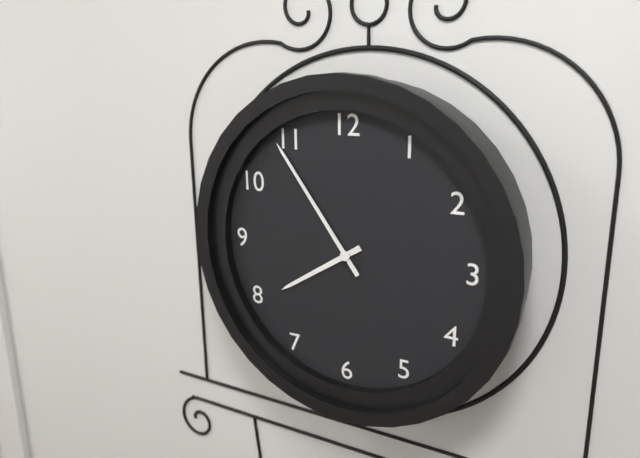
7:54
